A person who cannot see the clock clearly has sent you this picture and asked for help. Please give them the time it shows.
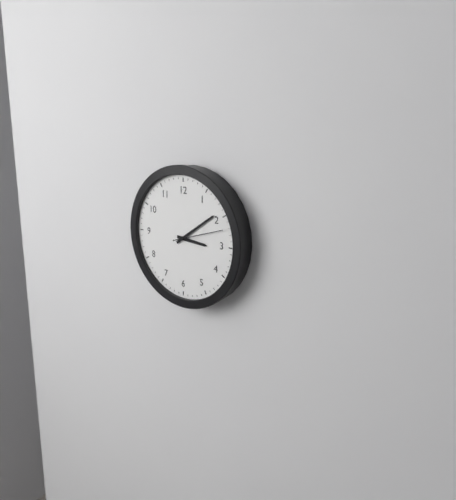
3:09:12
